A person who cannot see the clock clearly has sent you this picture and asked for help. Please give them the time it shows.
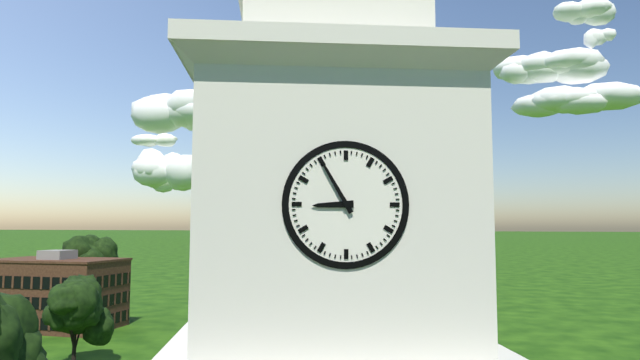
8:55
